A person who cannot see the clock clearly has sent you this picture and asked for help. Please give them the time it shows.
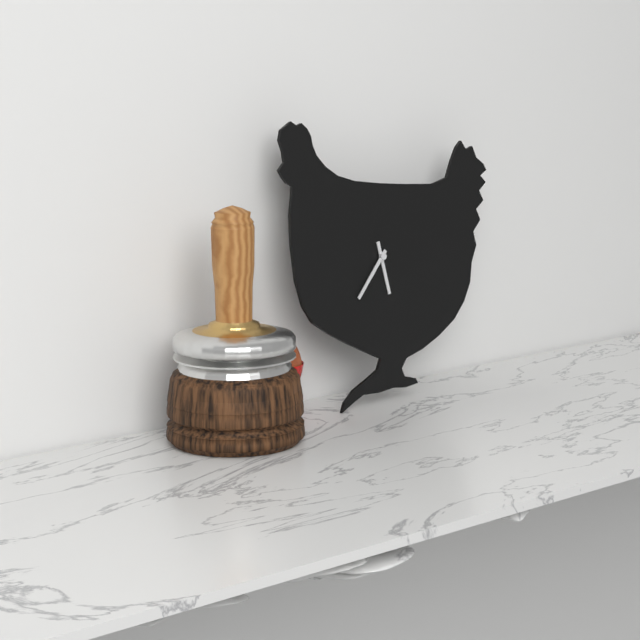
5:37
